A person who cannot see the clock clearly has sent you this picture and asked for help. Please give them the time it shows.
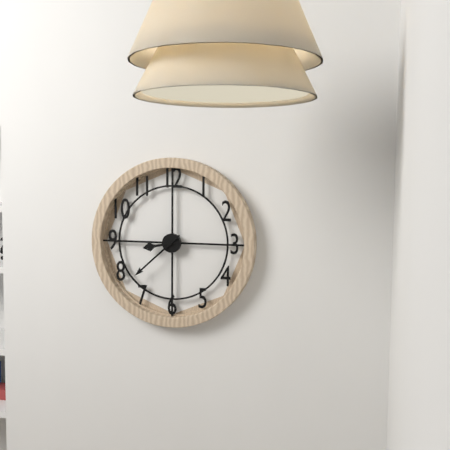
8:38
